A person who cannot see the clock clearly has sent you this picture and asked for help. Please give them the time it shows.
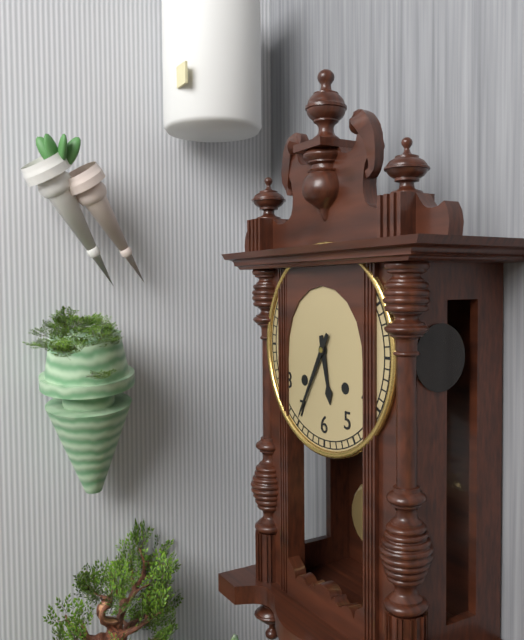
5:35
